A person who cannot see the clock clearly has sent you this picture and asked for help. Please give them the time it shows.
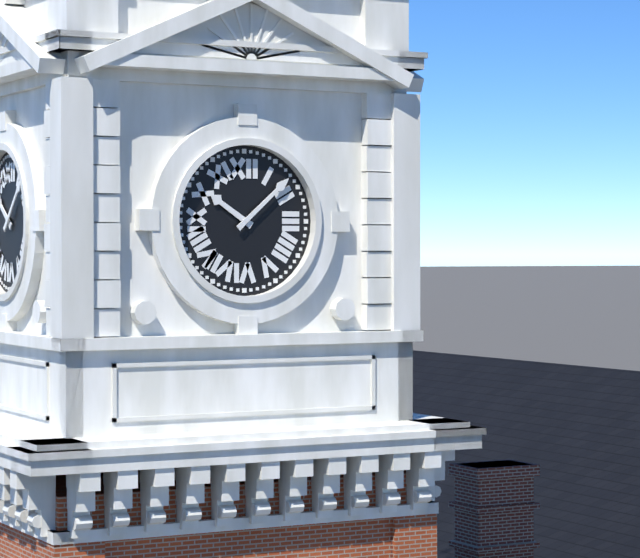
10:08
